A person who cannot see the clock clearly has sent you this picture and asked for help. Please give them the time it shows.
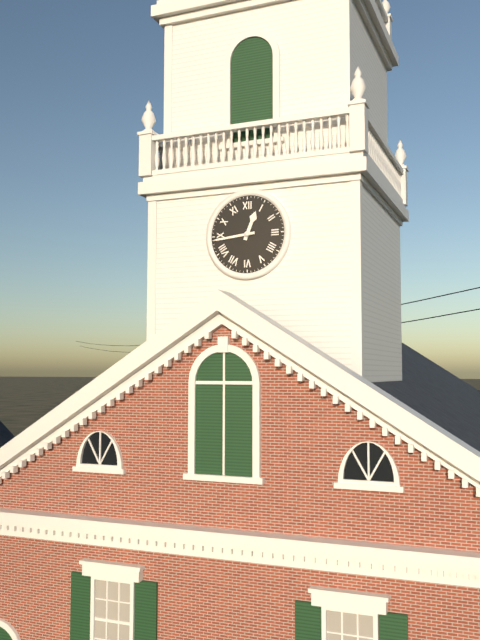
12:44
